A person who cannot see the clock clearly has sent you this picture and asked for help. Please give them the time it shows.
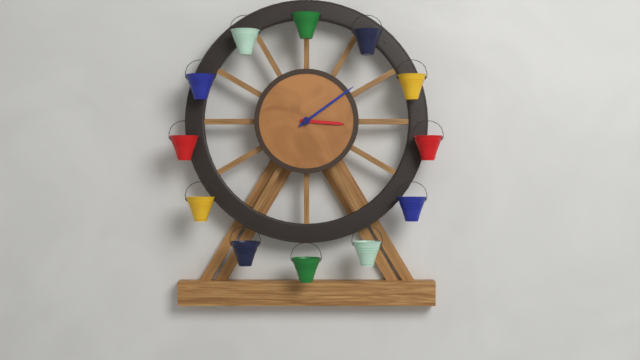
3:09
